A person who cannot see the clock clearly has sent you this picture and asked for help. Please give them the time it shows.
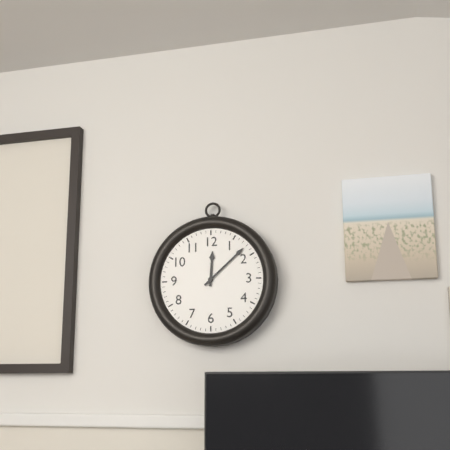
12:08
